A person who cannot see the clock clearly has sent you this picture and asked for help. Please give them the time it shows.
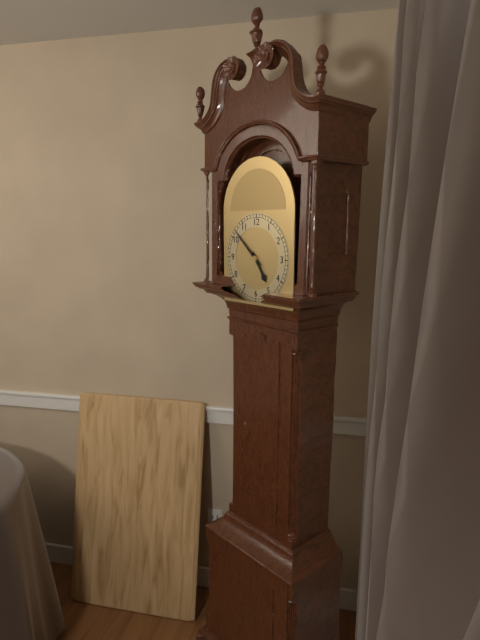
4:52
